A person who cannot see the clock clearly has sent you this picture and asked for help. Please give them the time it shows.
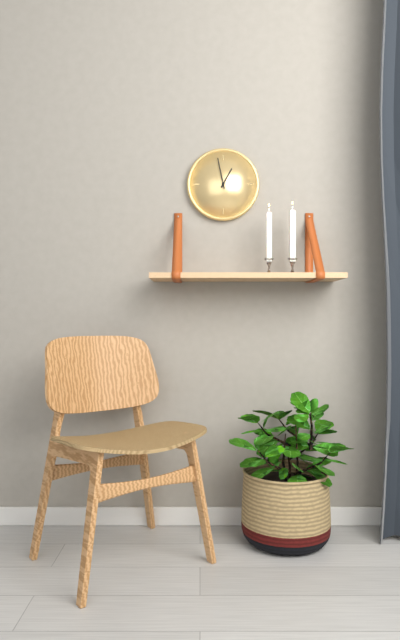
12:58
